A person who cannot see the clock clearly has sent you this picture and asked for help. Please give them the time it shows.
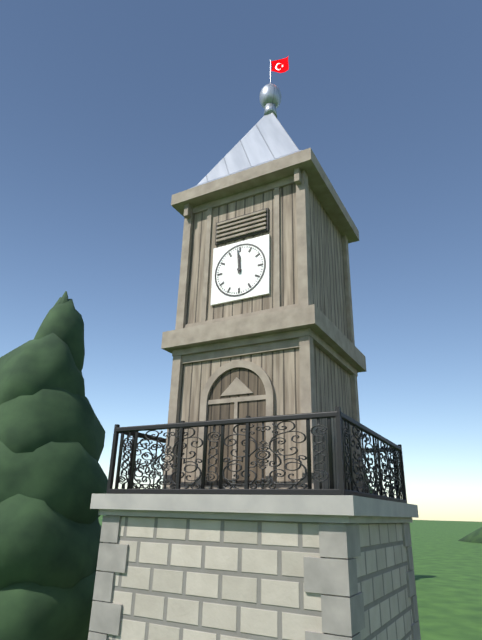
11:59
